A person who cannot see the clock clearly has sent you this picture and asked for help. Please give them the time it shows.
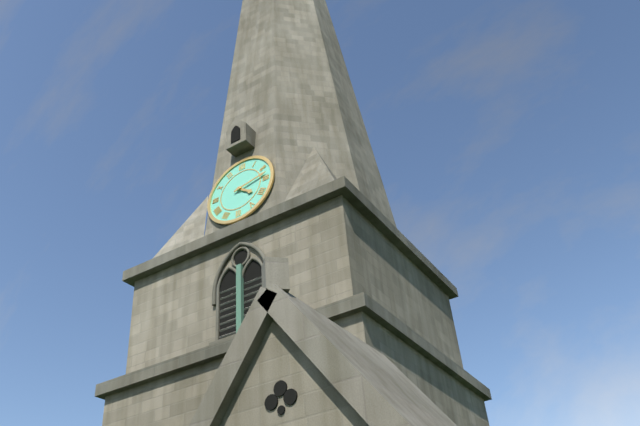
4:13
